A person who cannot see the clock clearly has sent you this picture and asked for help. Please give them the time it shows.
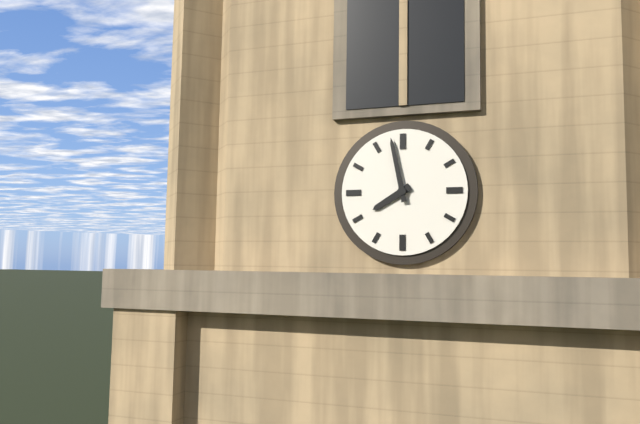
7:58
